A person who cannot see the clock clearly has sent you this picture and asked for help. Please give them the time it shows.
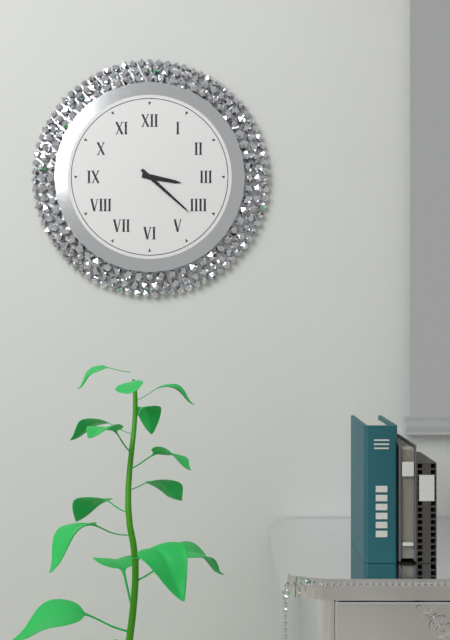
3:22
